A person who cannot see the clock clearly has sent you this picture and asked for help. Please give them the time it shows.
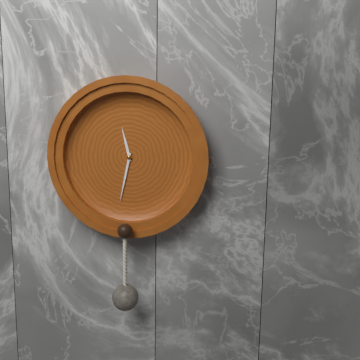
11:32
